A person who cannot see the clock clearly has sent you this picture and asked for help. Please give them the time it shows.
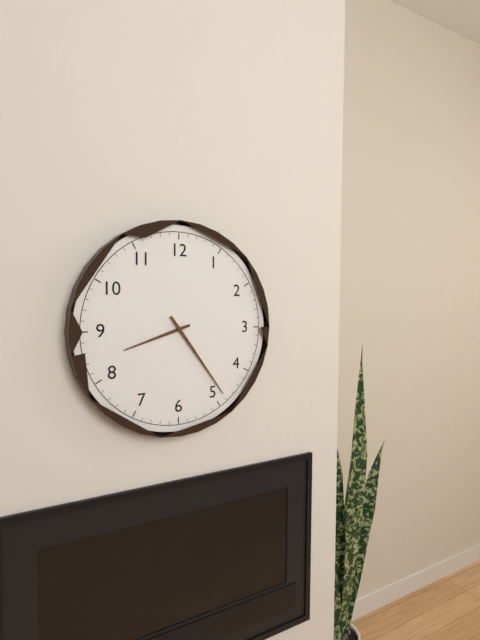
8:24
